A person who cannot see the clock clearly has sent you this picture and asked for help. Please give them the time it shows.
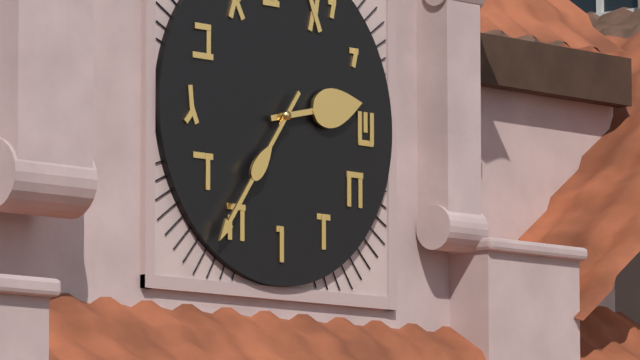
2:36
